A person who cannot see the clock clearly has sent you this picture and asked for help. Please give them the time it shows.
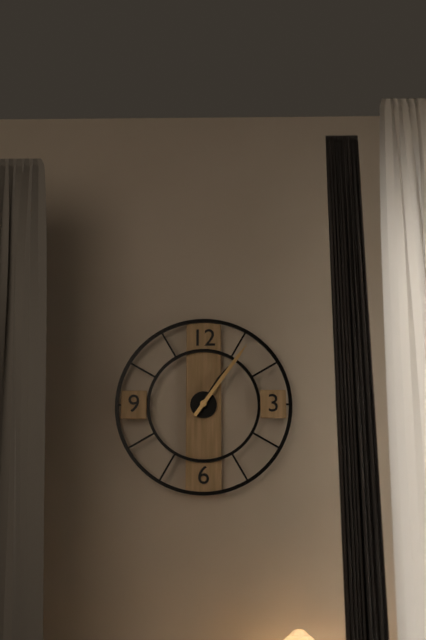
1:06
